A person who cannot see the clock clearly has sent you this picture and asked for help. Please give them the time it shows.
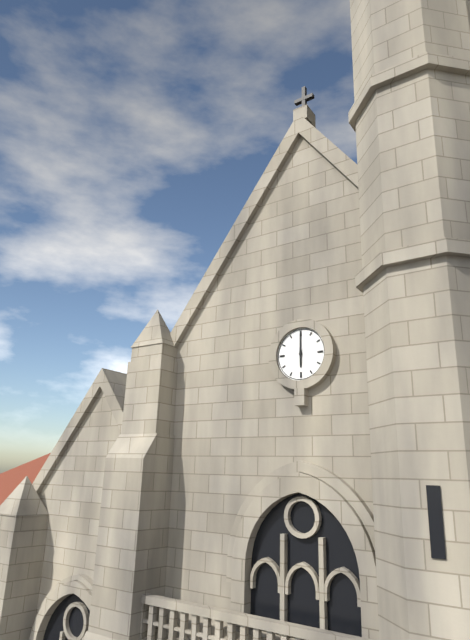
6:00
